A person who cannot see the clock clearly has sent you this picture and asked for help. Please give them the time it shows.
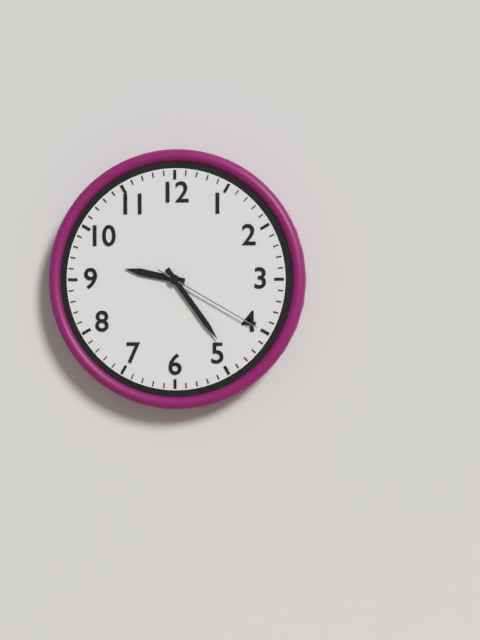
9:24:20
